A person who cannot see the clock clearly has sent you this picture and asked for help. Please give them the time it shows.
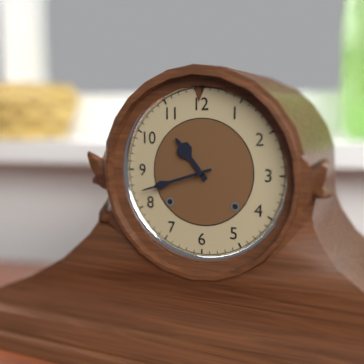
10:42
